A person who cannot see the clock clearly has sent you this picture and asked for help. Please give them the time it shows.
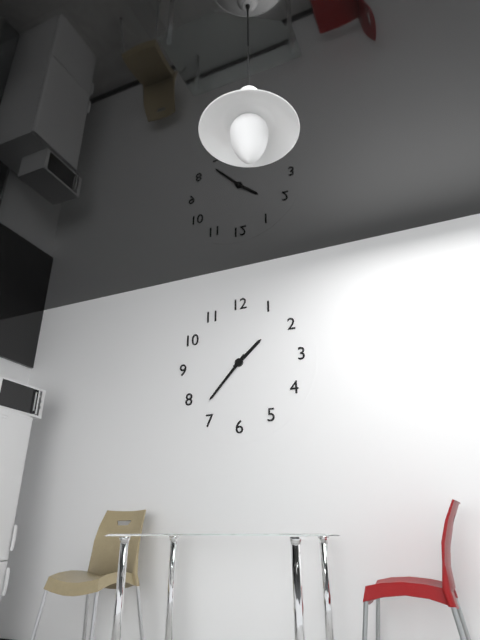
1:37
